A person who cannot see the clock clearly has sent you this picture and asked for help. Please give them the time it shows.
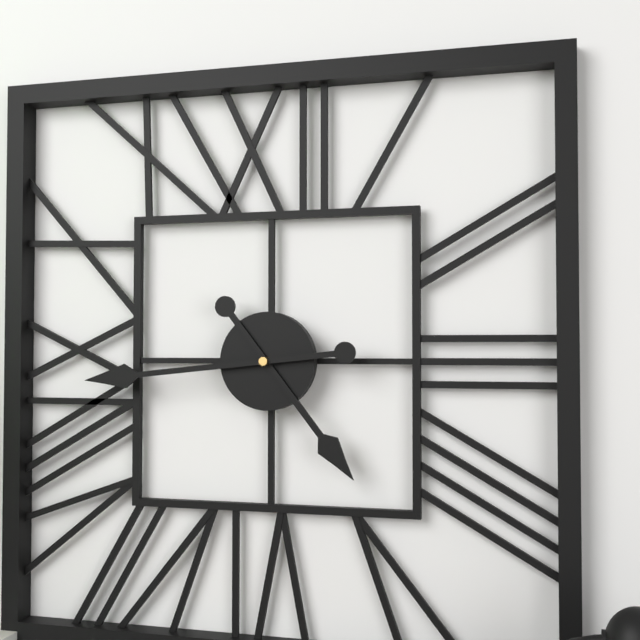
4:44
